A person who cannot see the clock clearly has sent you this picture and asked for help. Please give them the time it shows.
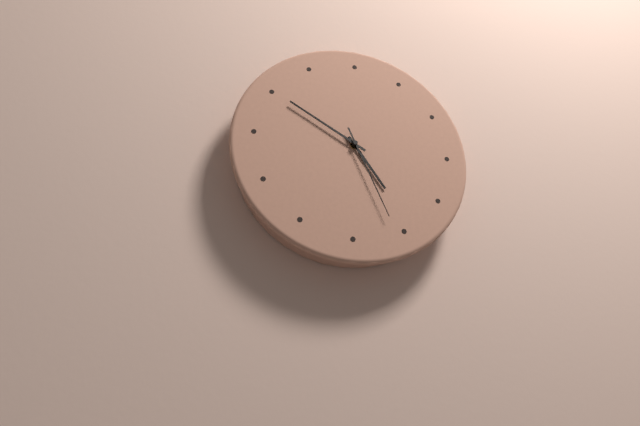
4:50:26
